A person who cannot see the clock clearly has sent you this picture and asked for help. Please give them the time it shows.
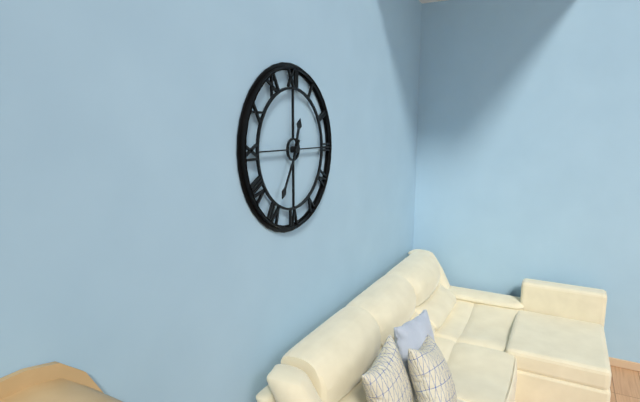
12:35
